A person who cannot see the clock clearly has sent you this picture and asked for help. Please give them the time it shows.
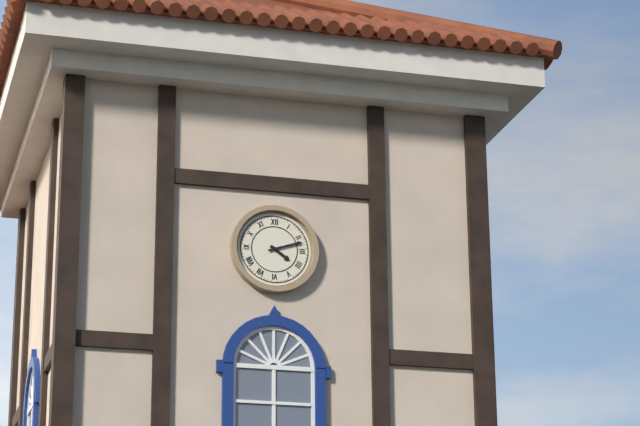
4:12
